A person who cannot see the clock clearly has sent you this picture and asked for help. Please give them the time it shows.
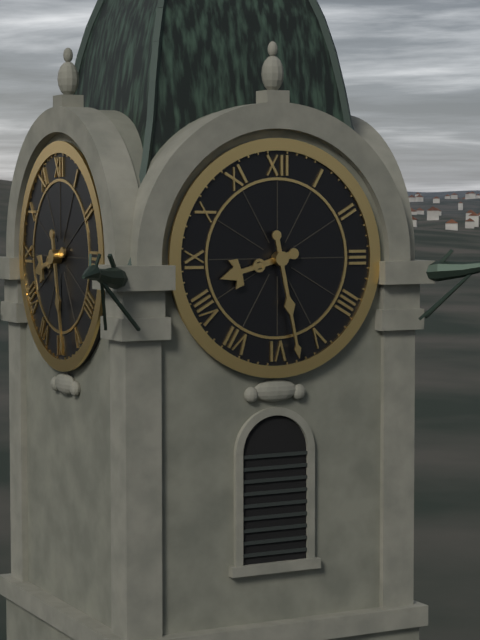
8:28
